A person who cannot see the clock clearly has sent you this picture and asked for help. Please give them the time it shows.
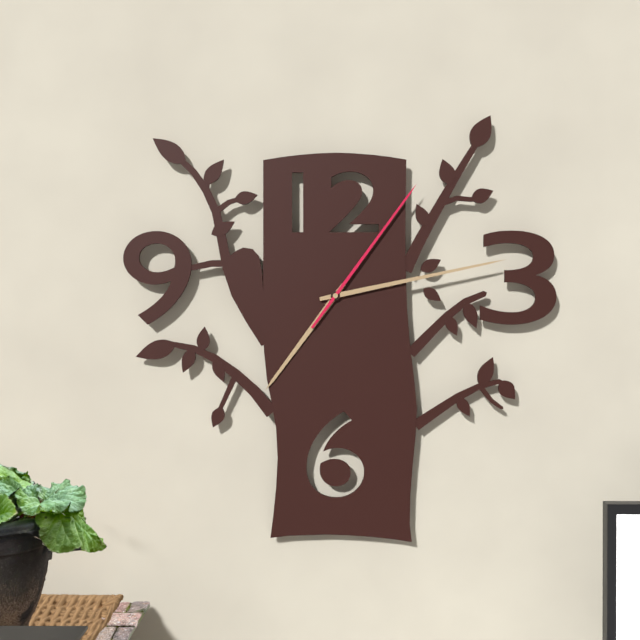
7:13:06
